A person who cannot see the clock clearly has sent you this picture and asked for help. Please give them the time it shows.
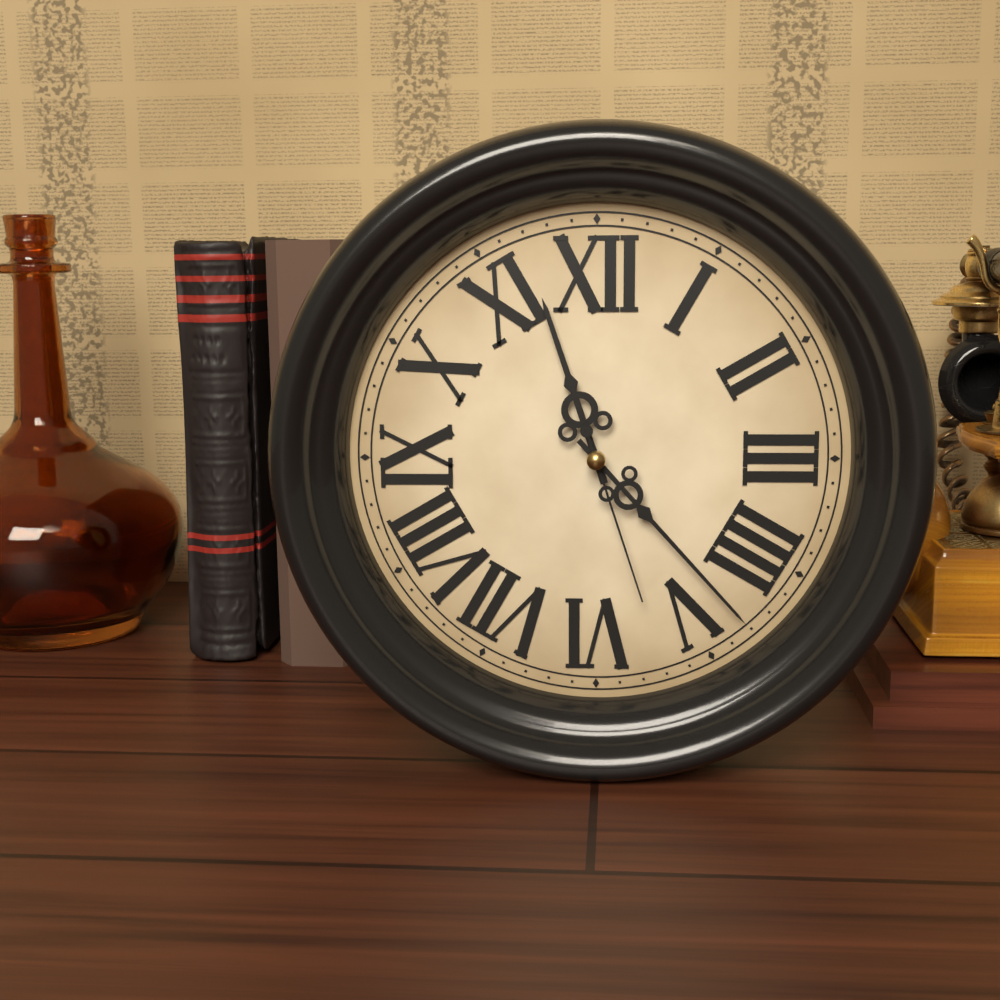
11:23:27
